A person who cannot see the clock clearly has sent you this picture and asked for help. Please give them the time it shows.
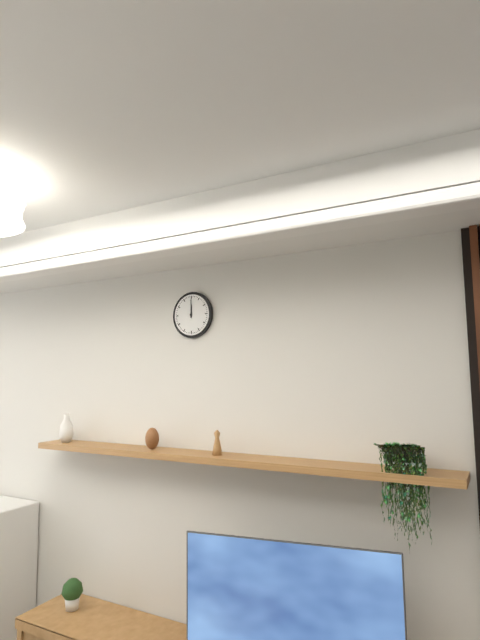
12:00
